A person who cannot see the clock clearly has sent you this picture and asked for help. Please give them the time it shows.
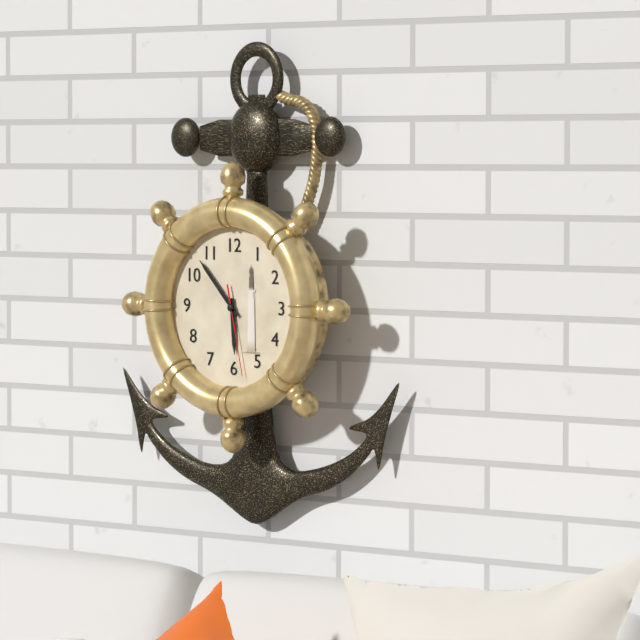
5:53:28
